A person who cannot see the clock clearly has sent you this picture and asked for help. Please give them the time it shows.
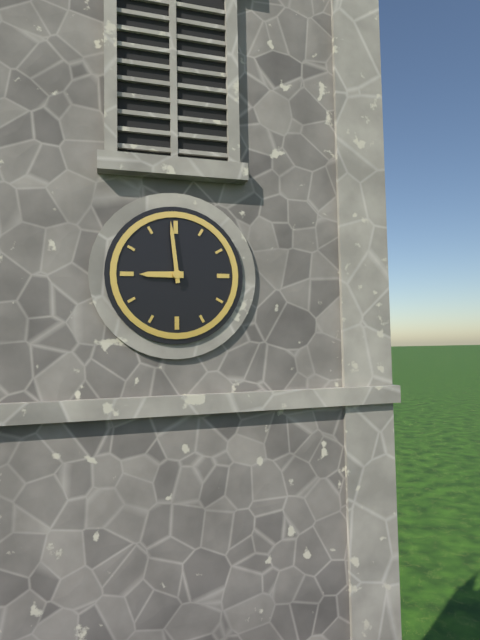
8:59
